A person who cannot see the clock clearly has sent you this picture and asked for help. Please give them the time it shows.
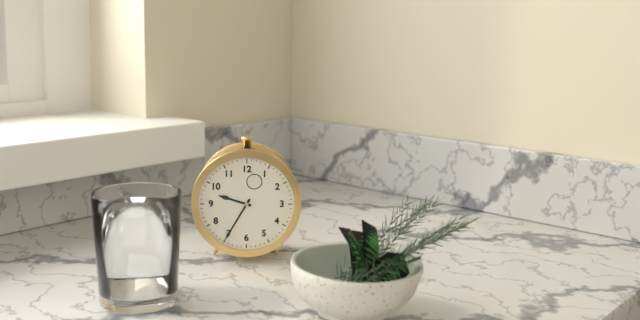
9:35
